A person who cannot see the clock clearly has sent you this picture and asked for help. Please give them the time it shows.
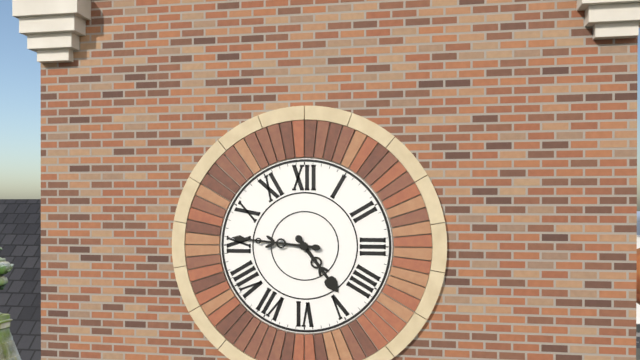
4:46
